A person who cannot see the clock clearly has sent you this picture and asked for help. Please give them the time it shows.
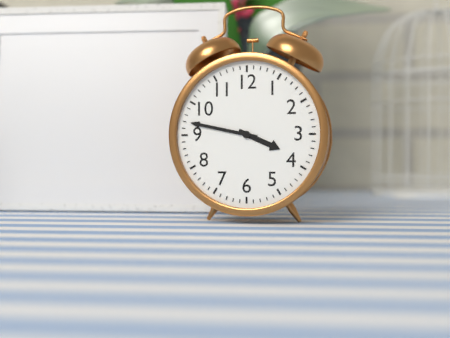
3:47
